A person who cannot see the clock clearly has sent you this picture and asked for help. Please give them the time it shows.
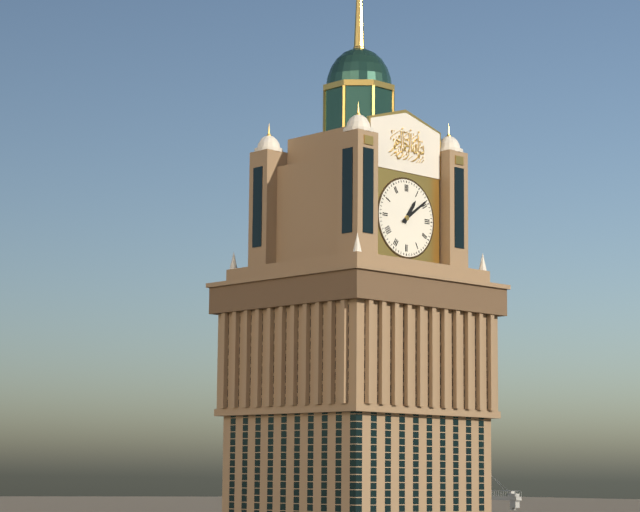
1:09
